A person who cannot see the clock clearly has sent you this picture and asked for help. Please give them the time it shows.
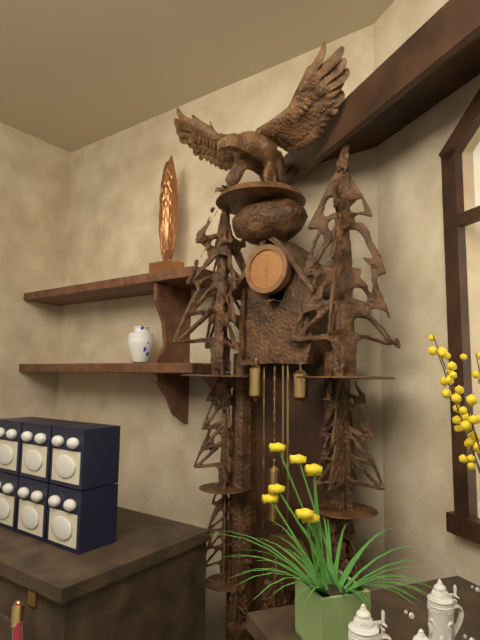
6:01
